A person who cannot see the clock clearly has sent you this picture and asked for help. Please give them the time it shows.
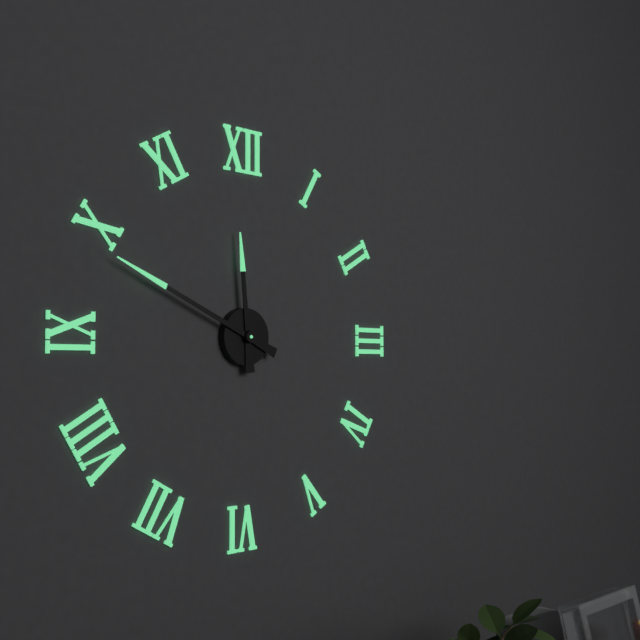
11:49
